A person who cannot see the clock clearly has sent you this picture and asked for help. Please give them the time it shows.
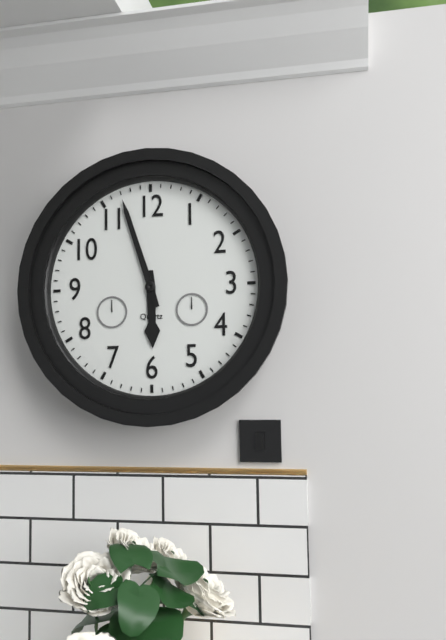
5:57
